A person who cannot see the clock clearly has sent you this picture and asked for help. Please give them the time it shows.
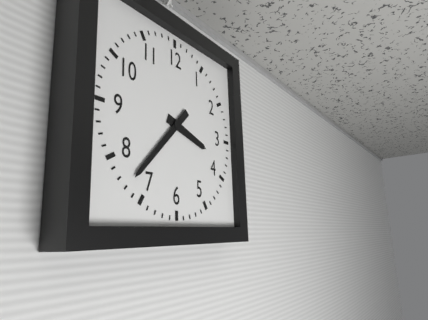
3:37
